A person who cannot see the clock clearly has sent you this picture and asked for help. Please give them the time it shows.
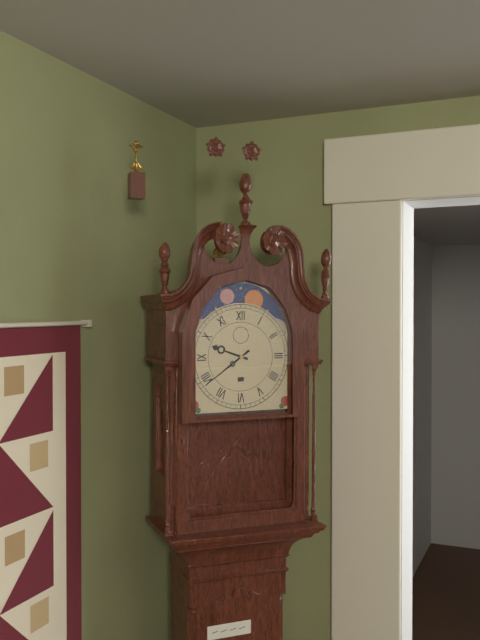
9:39
